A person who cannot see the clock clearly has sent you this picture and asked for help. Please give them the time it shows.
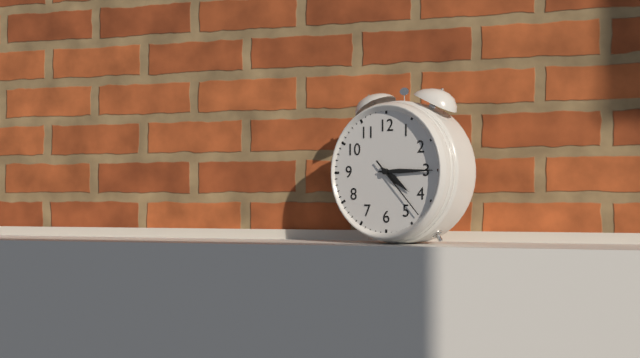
4:15:23
